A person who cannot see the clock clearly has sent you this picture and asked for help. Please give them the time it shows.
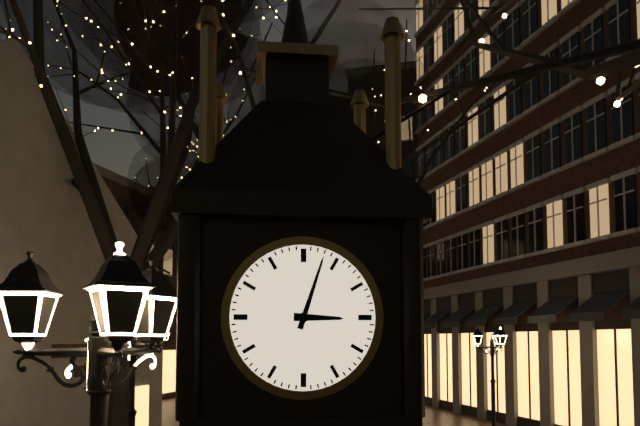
3:03
